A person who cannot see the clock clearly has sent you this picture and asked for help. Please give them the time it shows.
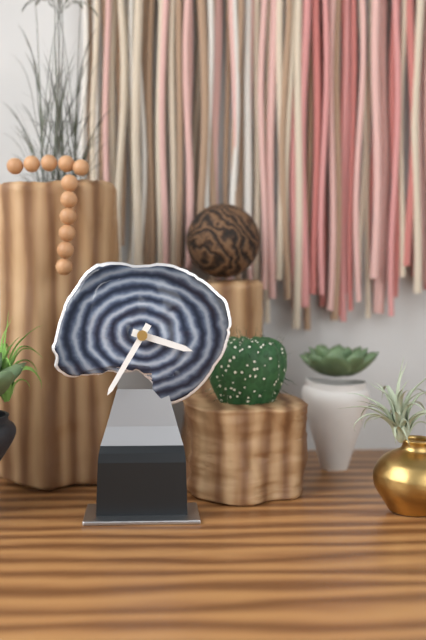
3:35
